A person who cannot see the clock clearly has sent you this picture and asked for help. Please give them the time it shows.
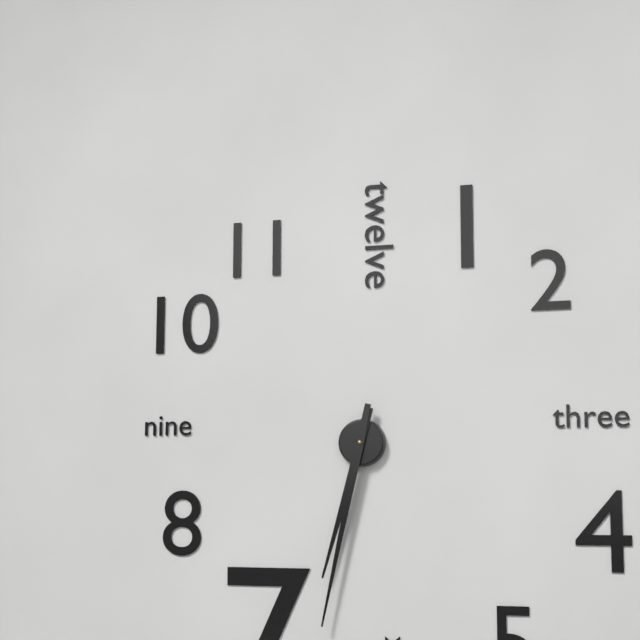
6:32
